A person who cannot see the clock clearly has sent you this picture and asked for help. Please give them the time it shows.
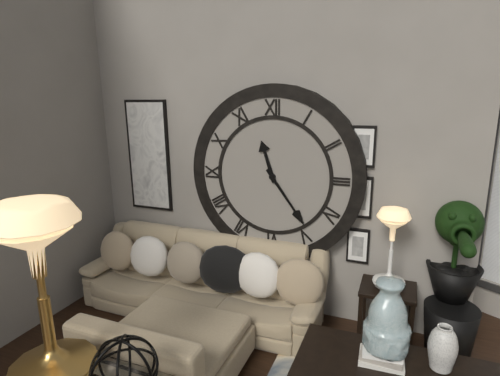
11:24
